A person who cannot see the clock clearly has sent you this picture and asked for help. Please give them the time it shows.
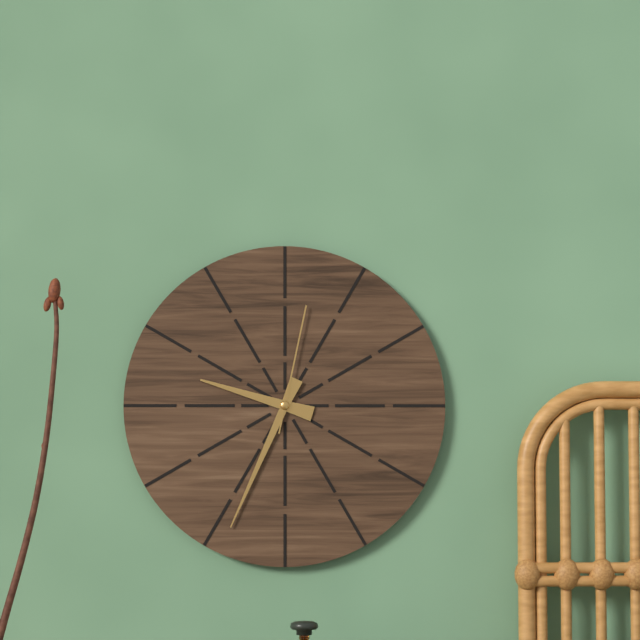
9:34:02
